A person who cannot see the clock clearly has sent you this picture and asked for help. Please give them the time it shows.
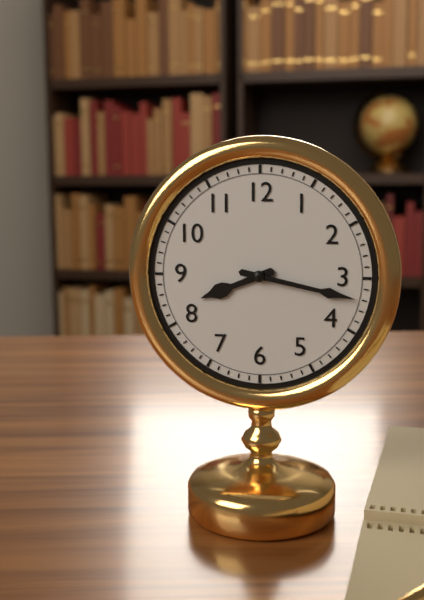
8:17
